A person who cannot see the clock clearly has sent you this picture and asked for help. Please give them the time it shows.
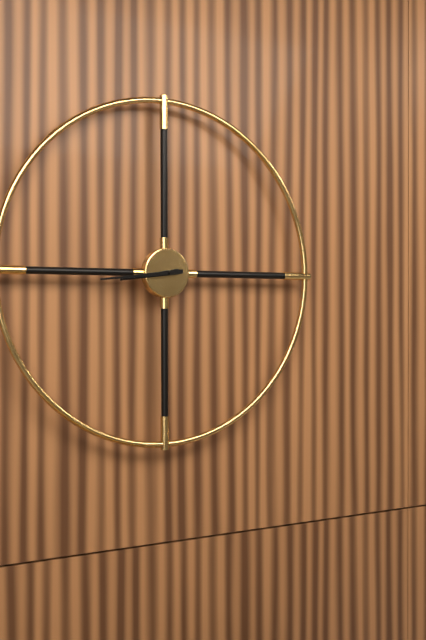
8:44
